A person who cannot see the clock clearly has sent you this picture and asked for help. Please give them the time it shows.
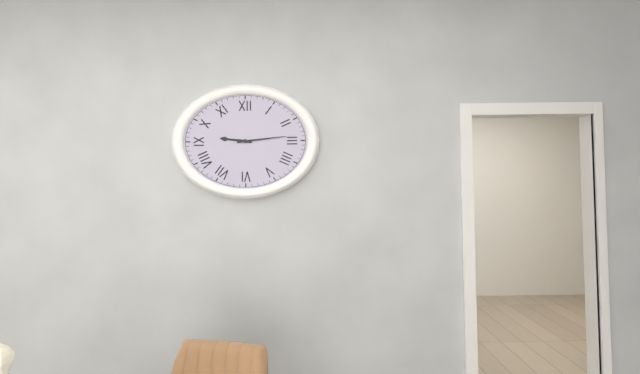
9:14
